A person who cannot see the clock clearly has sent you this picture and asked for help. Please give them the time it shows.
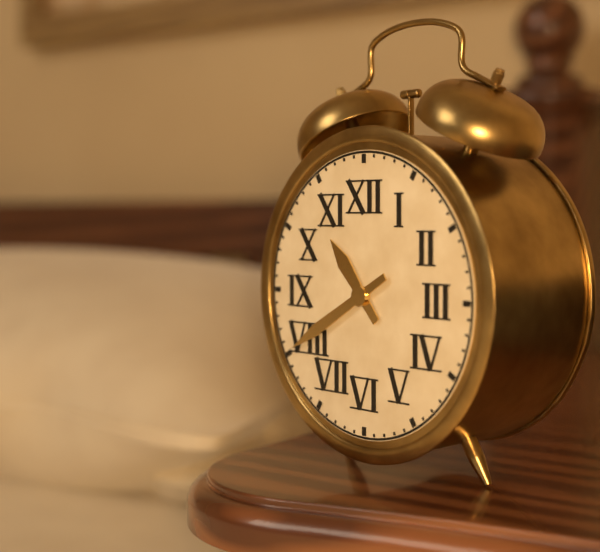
10:40
